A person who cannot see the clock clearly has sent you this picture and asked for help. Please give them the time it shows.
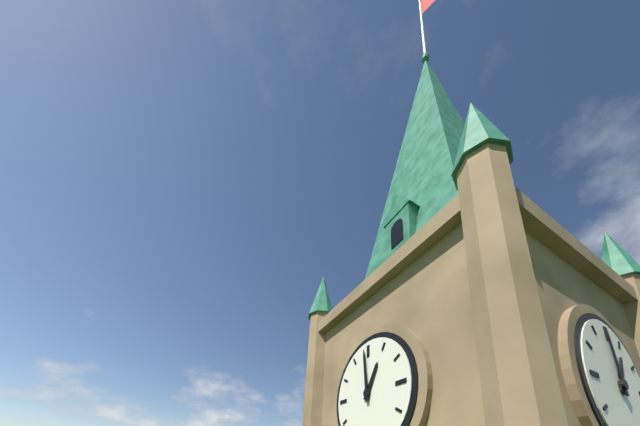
12:59
